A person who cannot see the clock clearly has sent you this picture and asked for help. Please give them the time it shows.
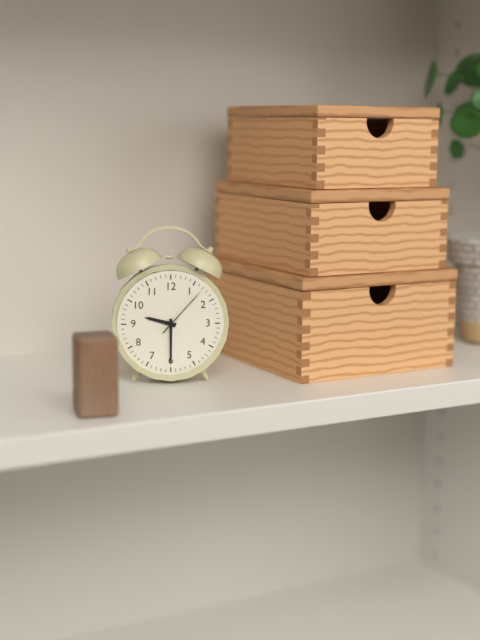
9:30:07
